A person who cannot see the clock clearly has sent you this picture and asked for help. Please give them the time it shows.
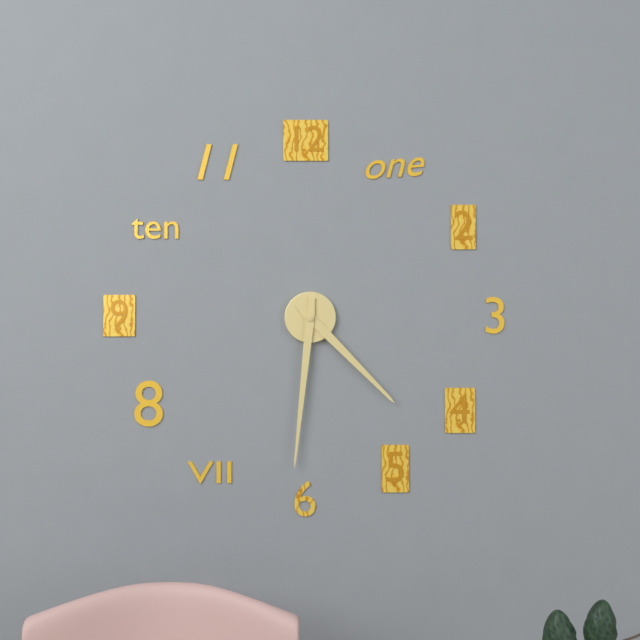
4:31
